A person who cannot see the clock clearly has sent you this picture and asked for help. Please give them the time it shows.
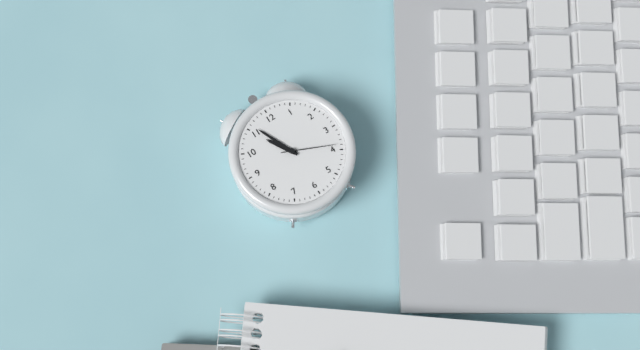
10:56:19
